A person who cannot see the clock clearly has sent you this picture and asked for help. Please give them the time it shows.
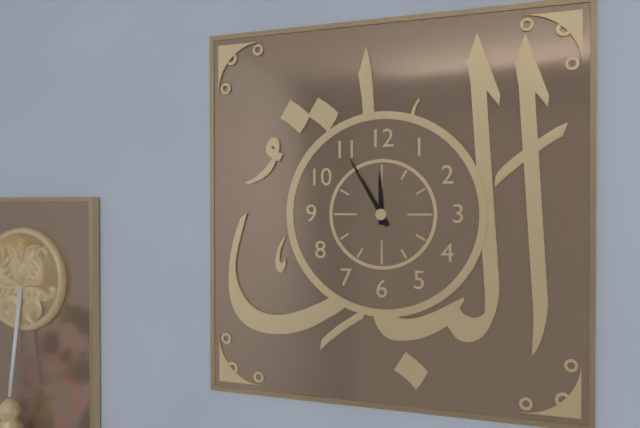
11:55
